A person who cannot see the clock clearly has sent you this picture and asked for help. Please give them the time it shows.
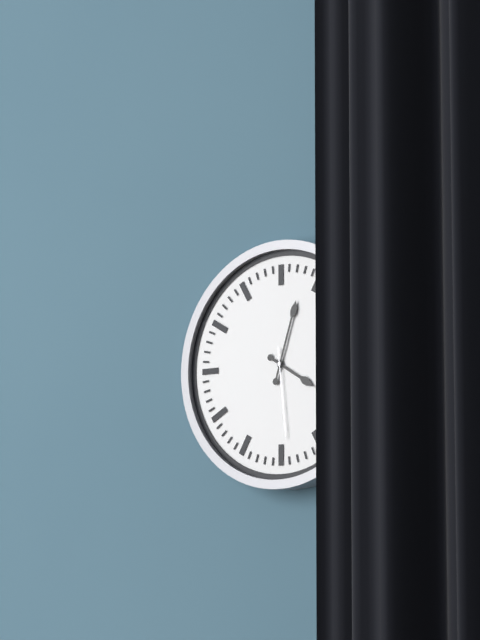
4:03:29
